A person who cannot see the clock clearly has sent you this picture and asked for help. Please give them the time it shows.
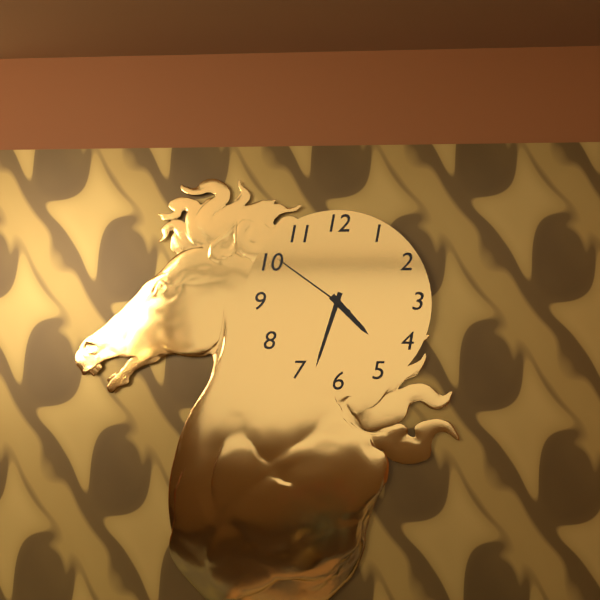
4:33:51
